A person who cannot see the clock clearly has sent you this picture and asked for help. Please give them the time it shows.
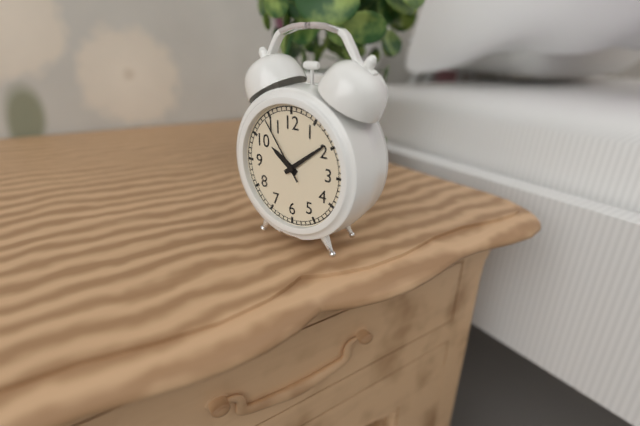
10:09:54
